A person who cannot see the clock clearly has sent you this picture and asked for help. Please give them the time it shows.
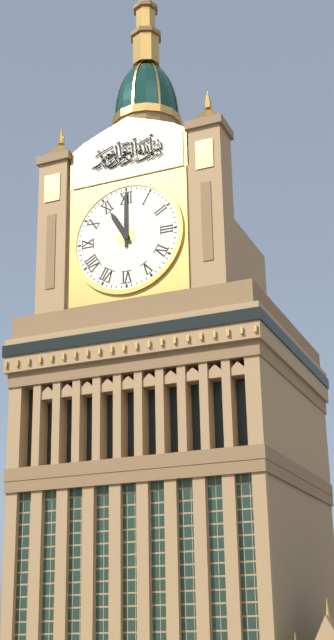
11:00
